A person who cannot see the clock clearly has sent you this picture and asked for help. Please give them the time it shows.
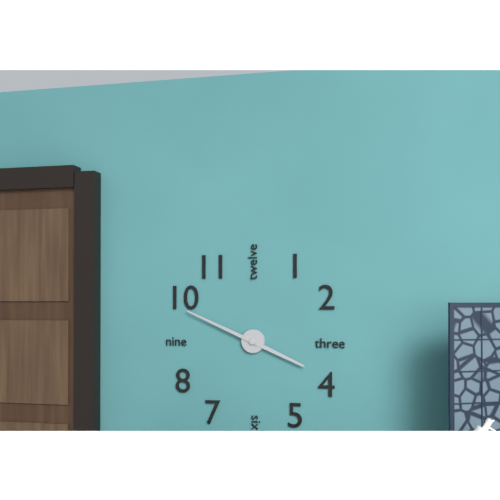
3:49
